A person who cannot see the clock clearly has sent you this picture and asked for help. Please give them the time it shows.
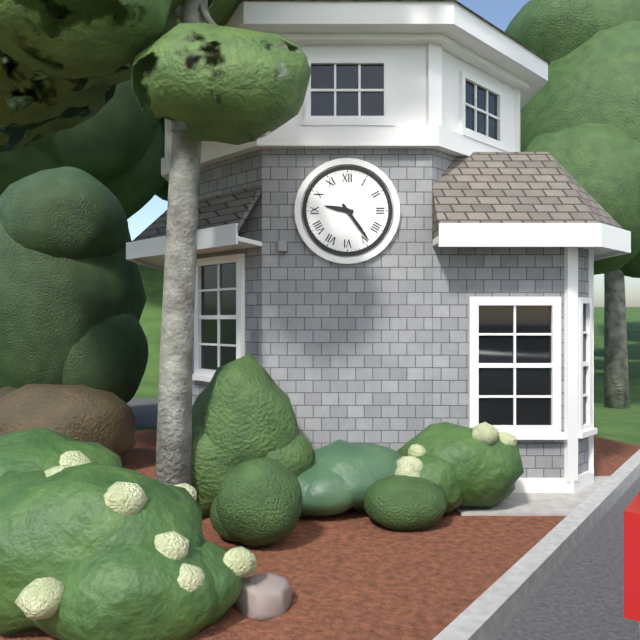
9:24
